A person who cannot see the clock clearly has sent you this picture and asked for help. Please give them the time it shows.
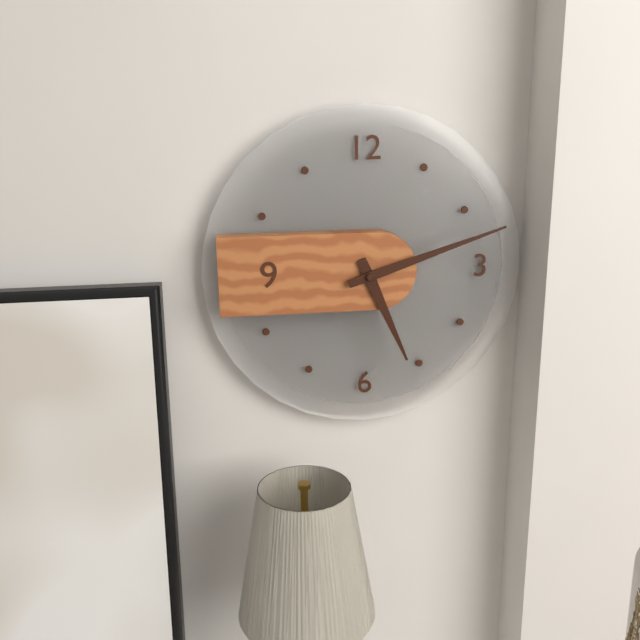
5:12
